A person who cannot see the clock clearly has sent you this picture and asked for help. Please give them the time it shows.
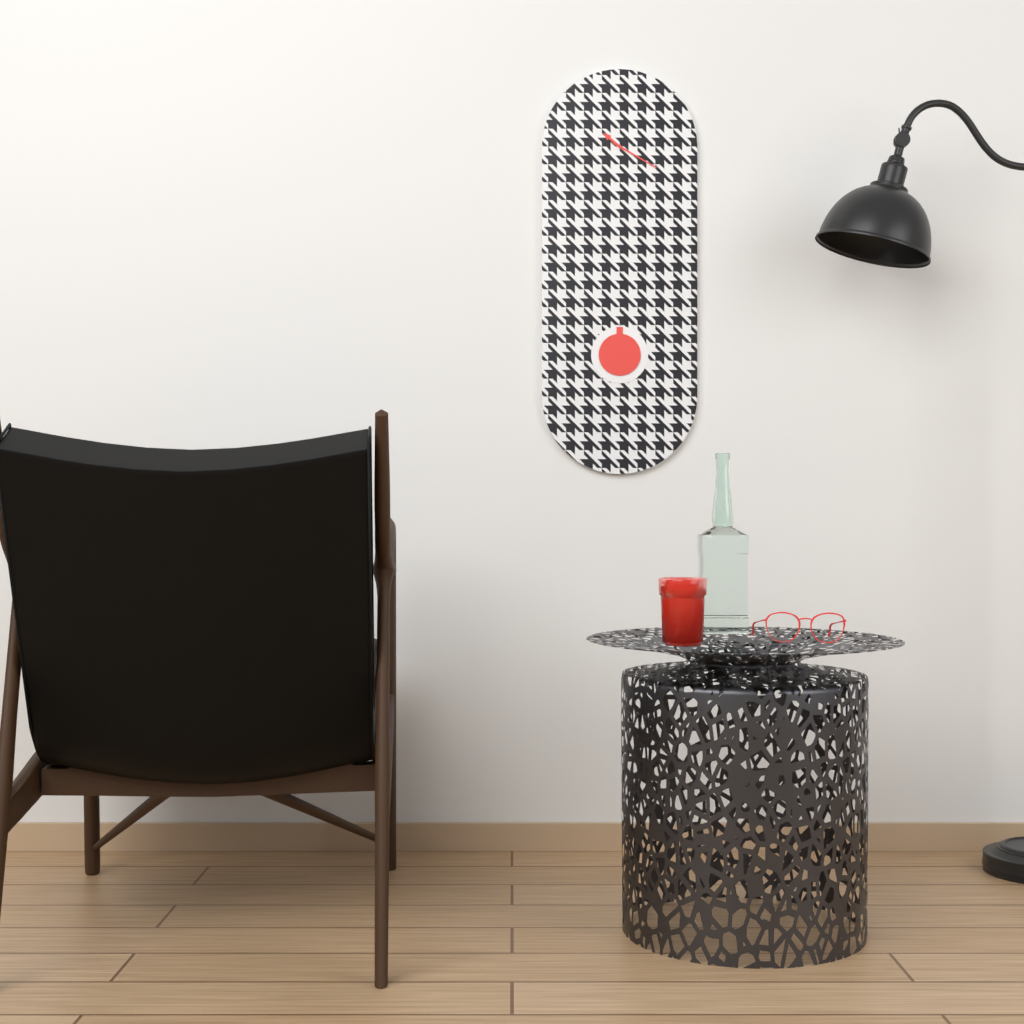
10:20
